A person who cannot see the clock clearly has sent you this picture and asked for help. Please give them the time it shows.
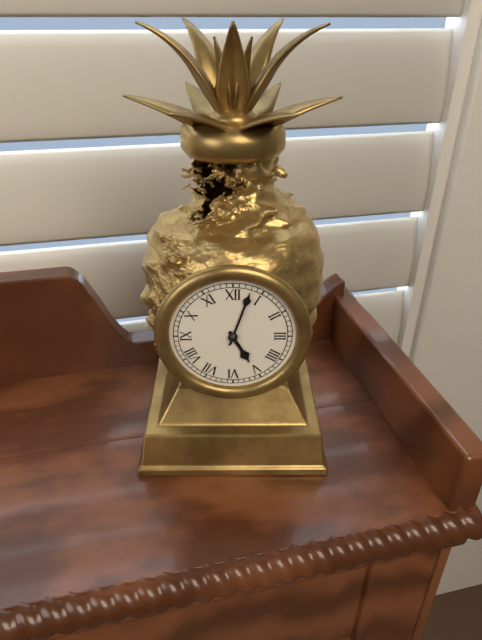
5:03
